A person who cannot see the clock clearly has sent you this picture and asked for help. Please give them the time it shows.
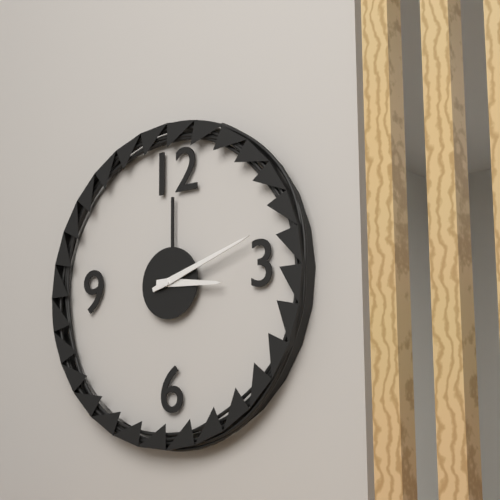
3:12
